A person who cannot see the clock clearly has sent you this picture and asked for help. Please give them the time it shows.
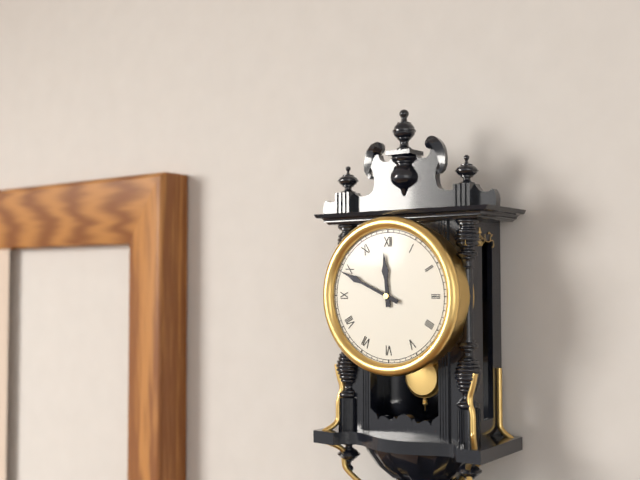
11:49
